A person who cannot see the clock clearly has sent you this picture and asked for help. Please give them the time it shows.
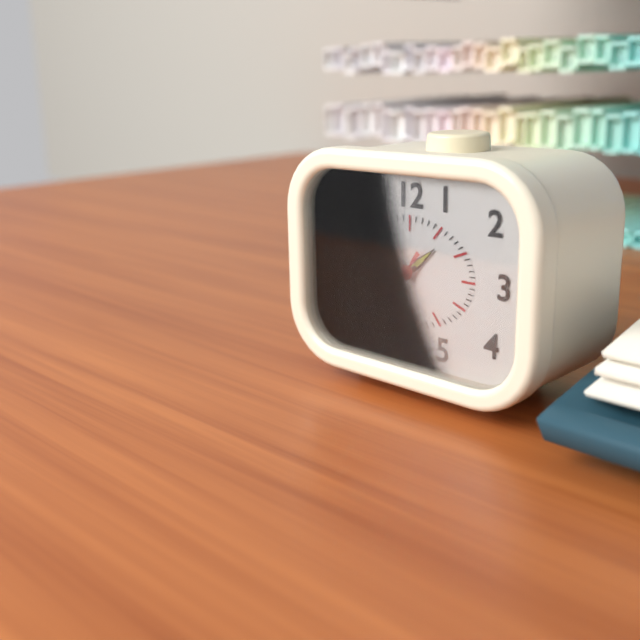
1:40:36
